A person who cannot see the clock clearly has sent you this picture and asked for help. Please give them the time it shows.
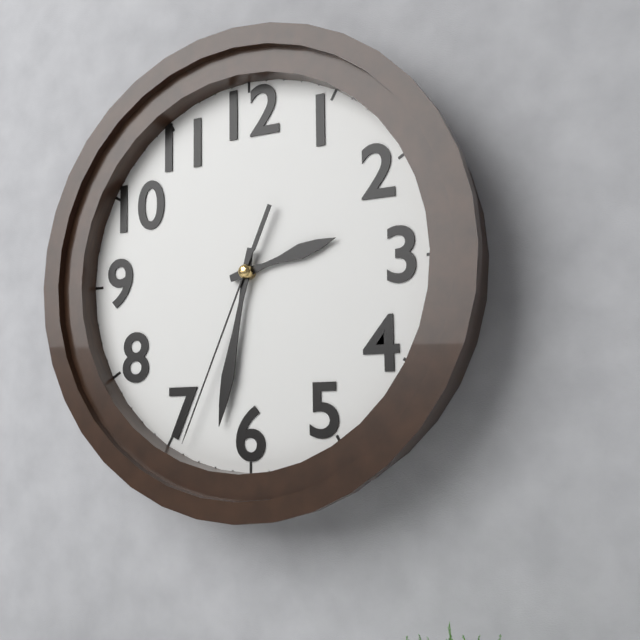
2:32:34
